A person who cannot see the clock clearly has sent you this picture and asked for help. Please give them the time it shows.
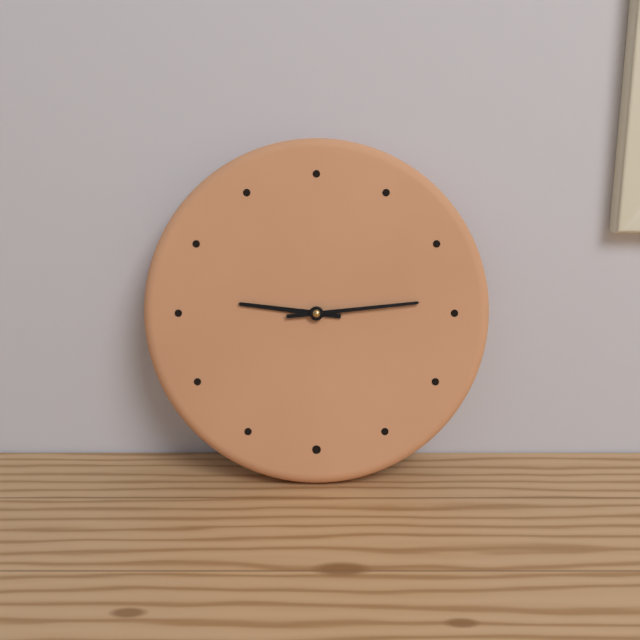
9:14
